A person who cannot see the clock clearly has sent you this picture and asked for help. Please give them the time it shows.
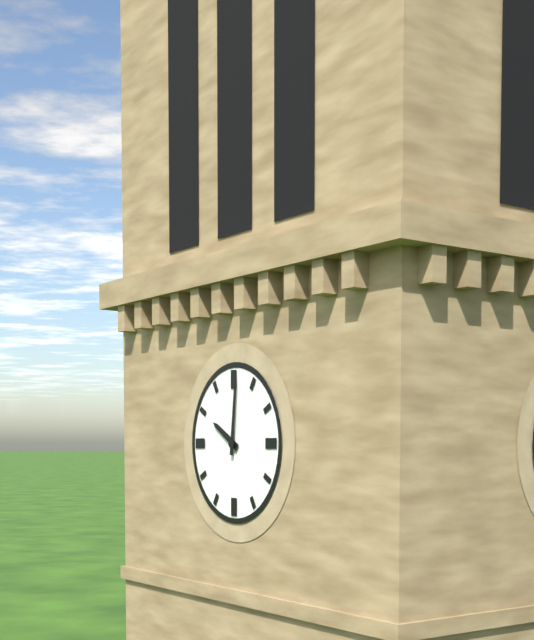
10:01
